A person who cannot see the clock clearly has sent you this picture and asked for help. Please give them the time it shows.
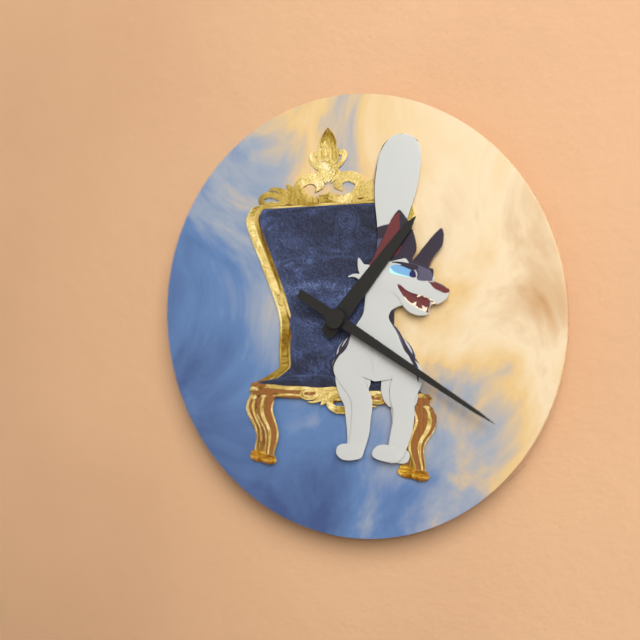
1:20
